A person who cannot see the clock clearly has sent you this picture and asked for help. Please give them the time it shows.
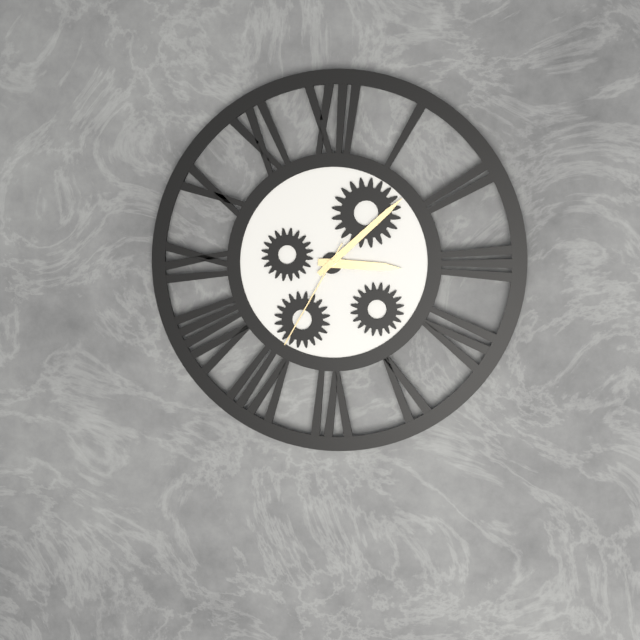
3:08:35
